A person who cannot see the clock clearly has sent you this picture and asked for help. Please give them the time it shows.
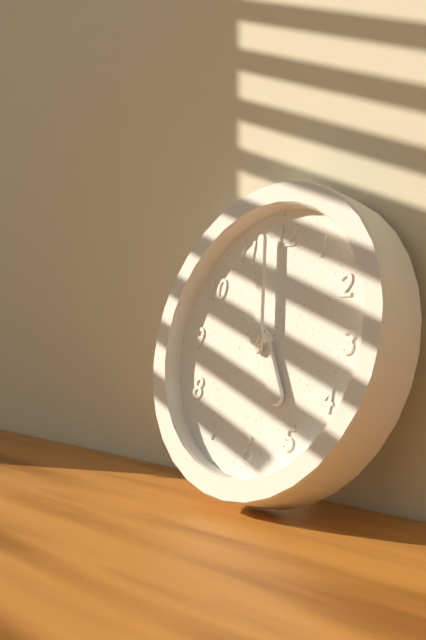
4:58
